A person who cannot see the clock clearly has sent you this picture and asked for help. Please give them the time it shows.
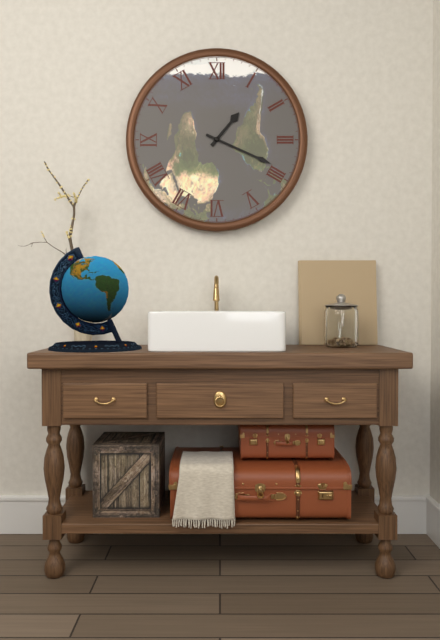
1:19
